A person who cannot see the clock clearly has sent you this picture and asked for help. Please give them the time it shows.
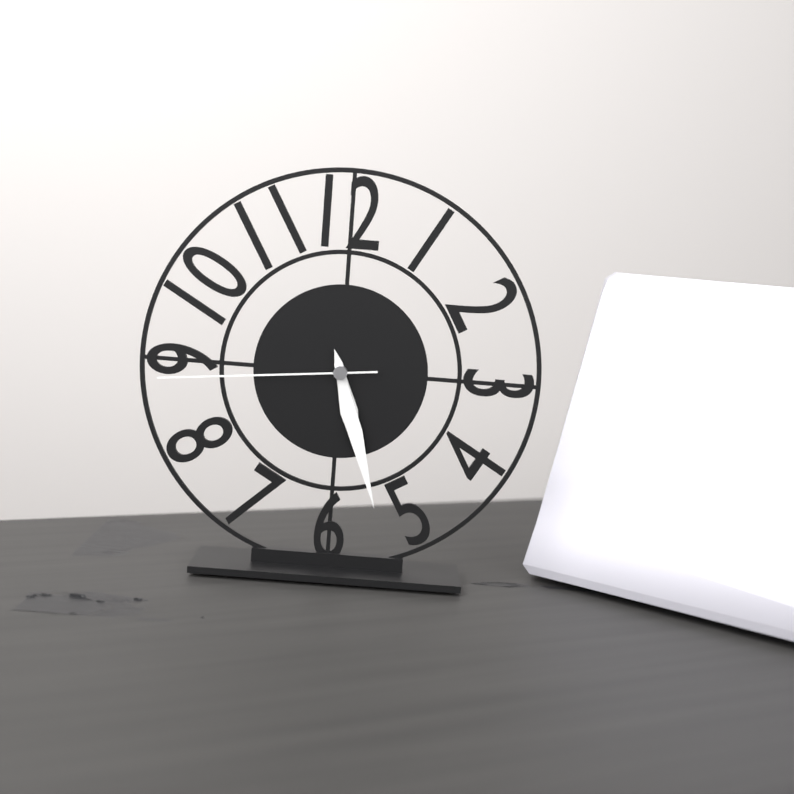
5:27:44
